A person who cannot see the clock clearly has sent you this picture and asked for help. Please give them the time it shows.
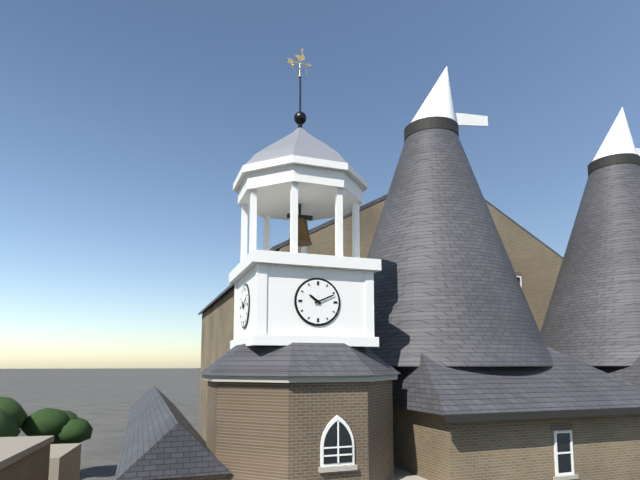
10:11
